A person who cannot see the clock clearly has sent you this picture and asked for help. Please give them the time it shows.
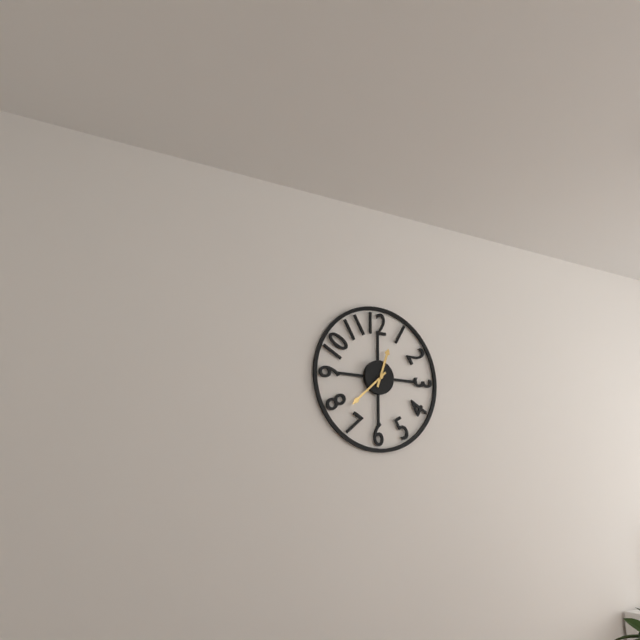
12:38
